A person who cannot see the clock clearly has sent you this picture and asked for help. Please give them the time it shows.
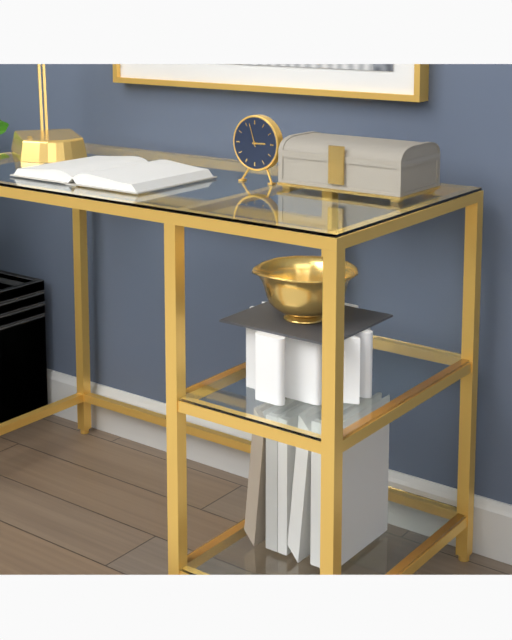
2:57
